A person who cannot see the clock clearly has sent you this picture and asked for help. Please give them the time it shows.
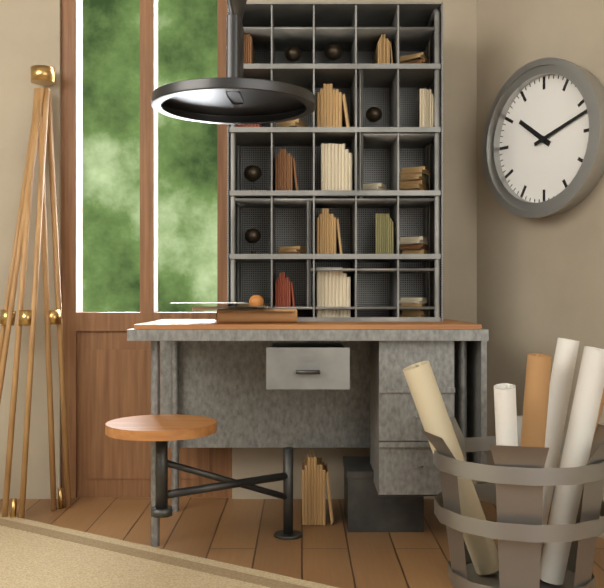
10:12
